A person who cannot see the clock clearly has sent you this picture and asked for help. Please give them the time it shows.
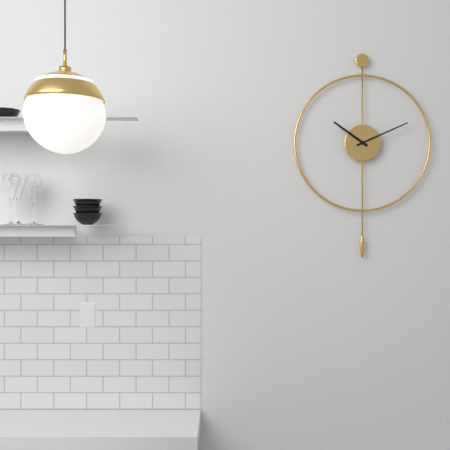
10:11
